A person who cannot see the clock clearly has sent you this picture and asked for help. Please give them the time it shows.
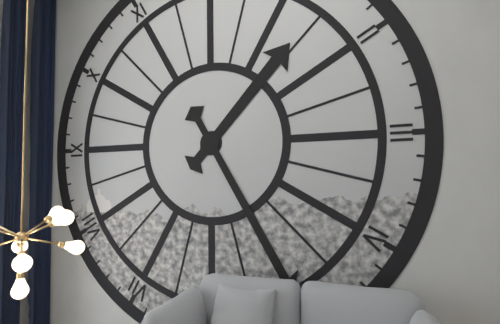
1:25
